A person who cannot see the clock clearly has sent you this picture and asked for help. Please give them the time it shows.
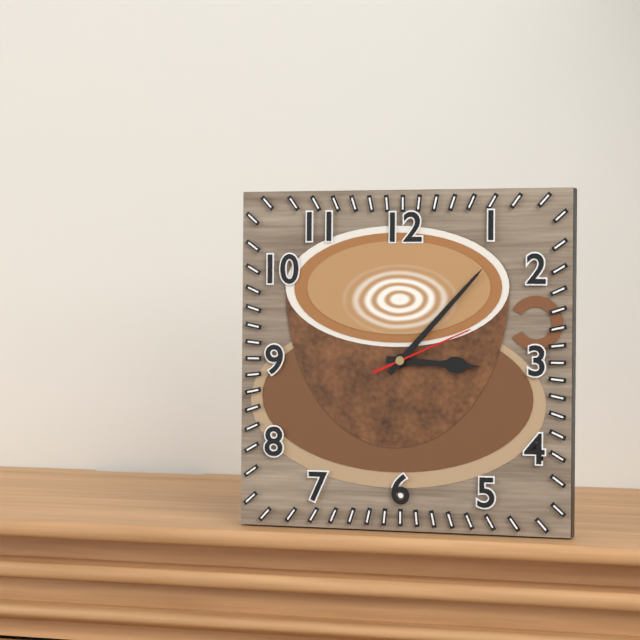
3:07:11
